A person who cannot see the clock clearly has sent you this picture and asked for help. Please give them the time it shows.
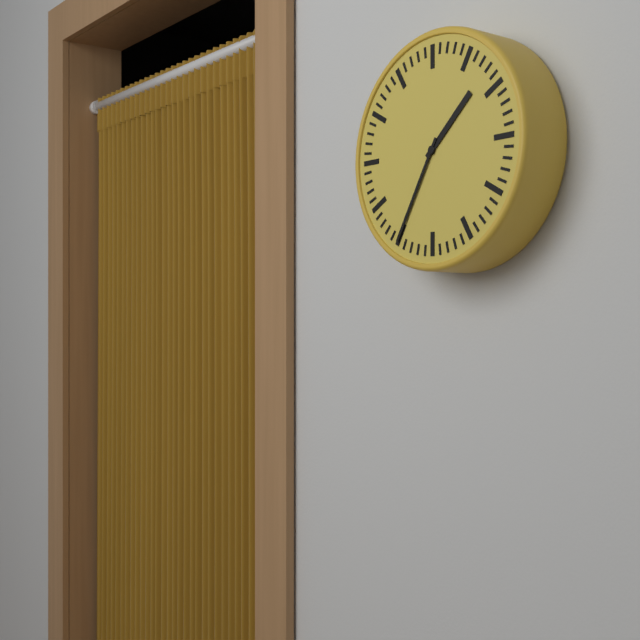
1:35
